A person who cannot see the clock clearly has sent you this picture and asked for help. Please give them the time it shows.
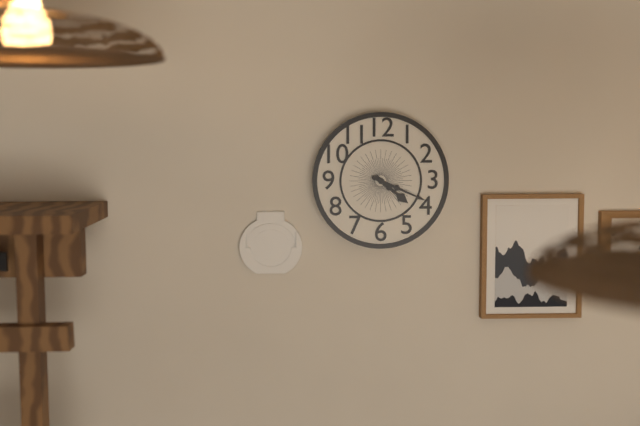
4:19
